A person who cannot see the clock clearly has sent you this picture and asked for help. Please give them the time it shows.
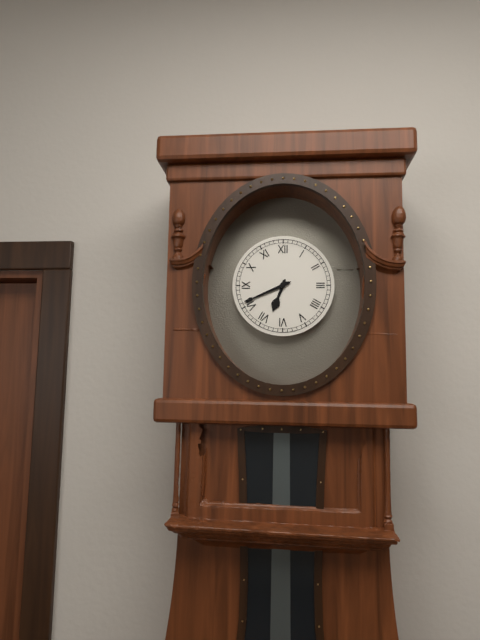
6:41
